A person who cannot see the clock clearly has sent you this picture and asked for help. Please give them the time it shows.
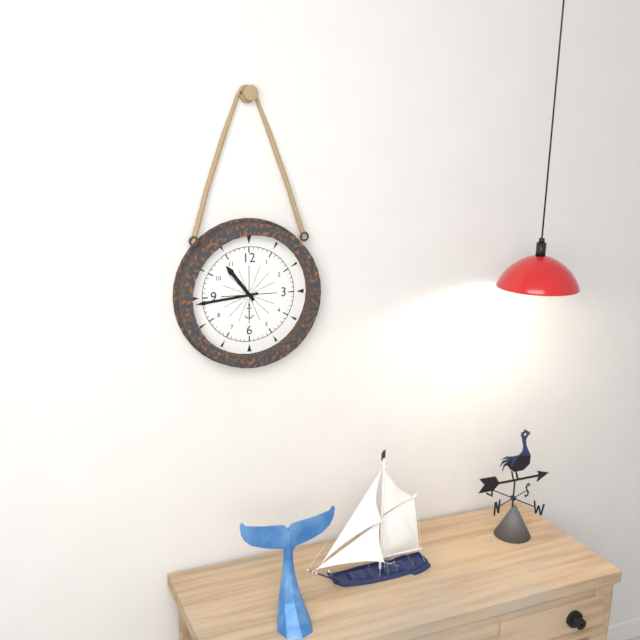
10:44
